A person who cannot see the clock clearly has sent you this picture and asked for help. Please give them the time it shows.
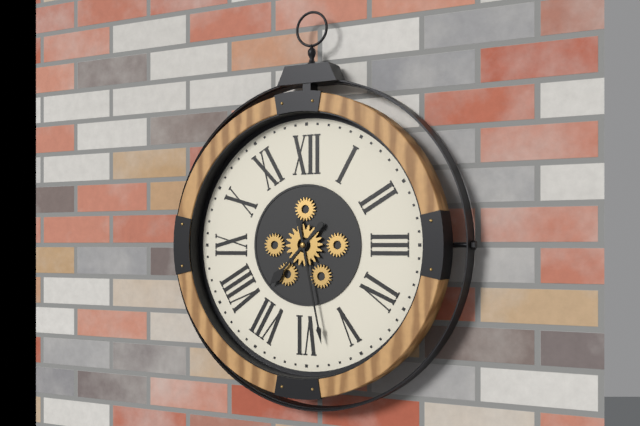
7:28
